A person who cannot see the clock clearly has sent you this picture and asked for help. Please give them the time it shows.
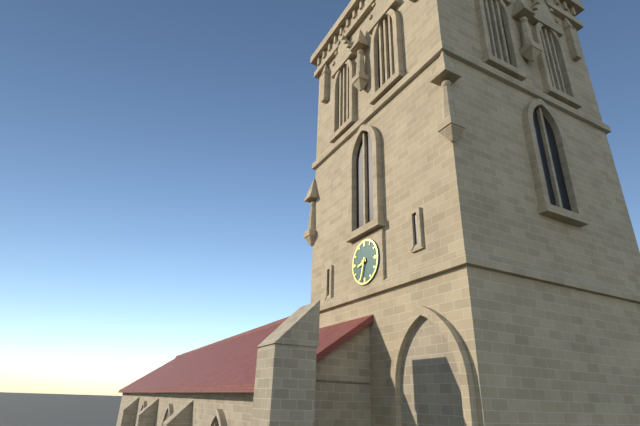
8:33
